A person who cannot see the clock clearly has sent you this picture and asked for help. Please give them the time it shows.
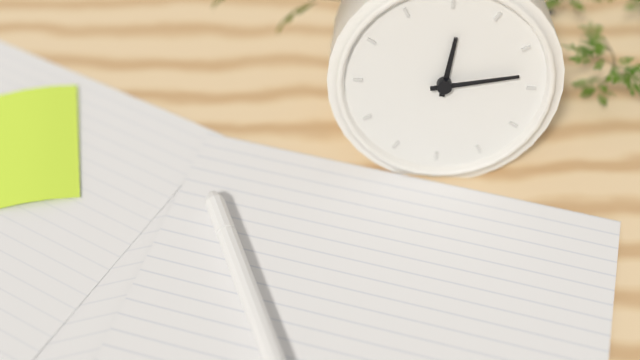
12:13
